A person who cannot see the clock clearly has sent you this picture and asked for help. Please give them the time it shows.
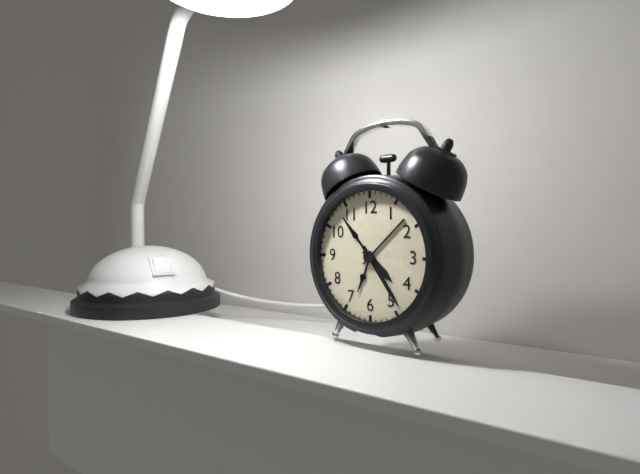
4:24
